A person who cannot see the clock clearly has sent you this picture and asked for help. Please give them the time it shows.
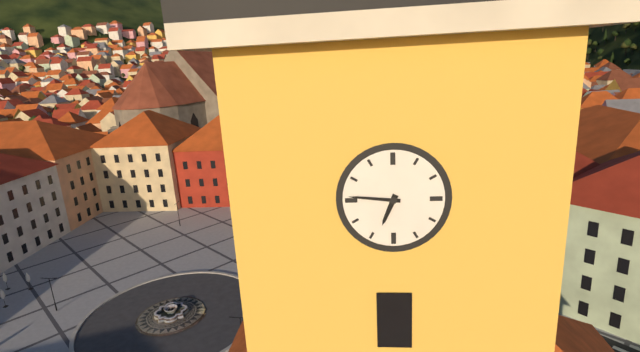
6:46
